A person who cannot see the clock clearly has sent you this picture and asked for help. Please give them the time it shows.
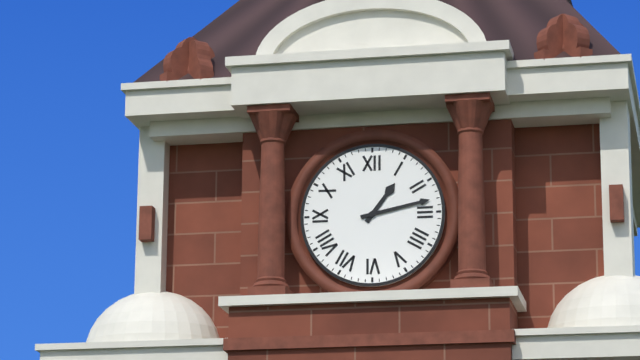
1:13
